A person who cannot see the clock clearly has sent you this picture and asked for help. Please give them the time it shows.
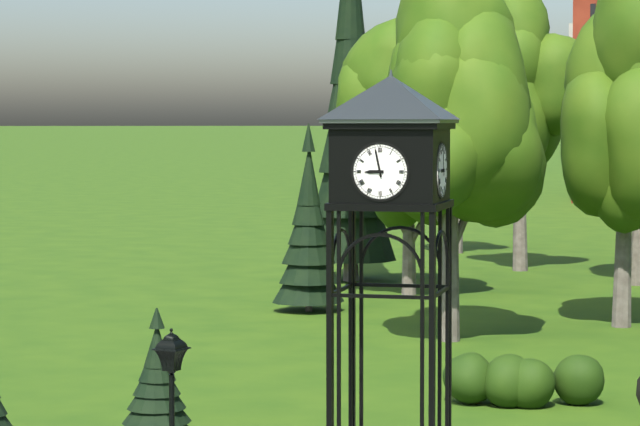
8:58
